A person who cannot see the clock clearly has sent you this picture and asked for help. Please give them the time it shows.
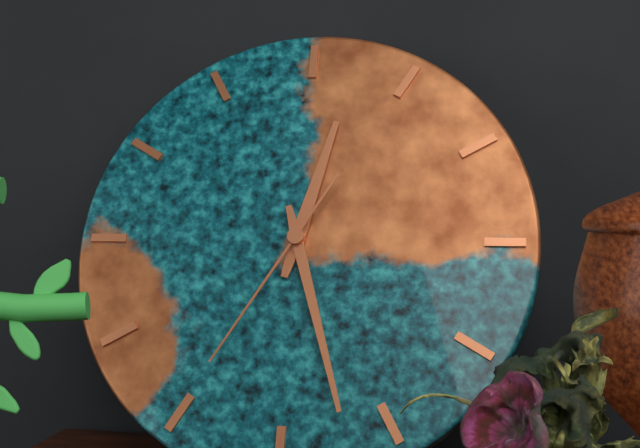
12:27:35
